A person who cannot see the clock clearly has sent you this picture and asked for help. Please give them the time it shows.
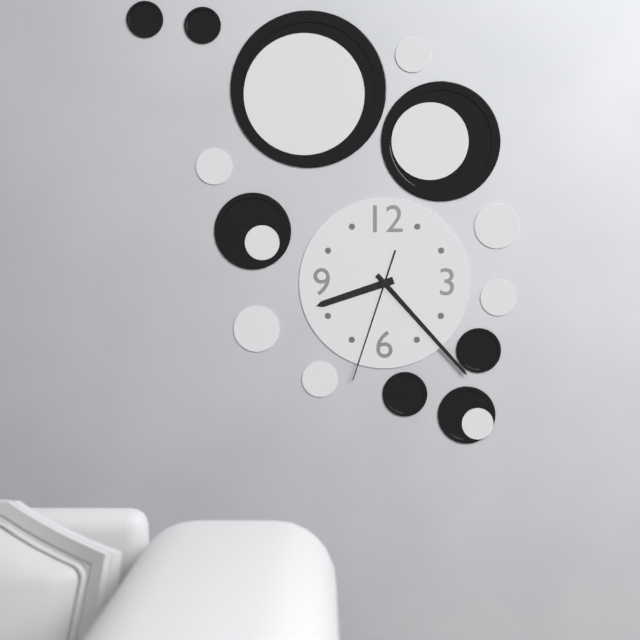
8:23:33
